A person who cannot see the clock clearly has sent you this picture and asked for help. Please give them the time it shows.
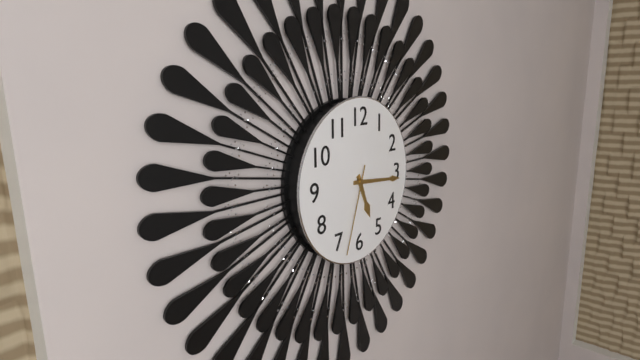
5:16:33
